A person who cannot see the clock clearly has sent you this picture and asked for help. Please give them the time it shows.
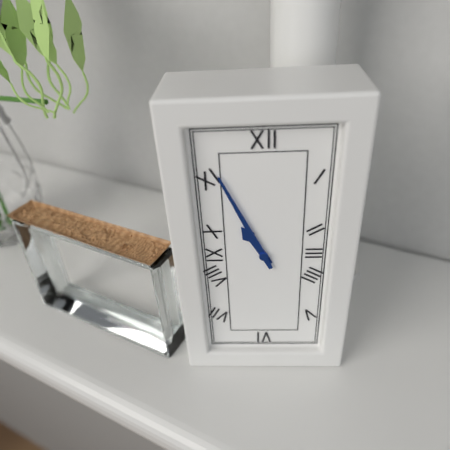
10:56
